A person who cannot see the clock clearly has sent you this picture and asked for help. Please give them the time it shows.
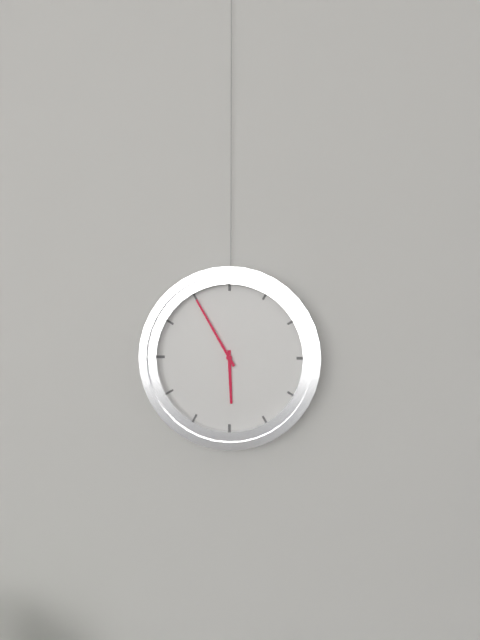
5:55
